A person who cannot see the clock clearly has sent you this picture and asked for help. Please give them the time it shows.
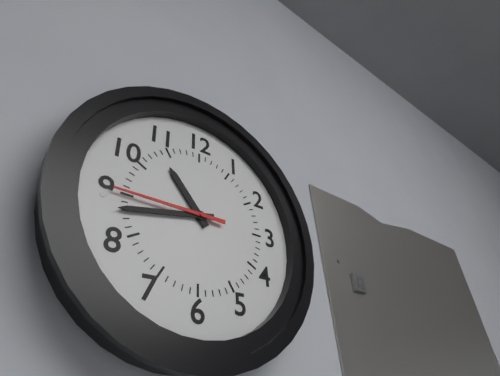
10:43:45
